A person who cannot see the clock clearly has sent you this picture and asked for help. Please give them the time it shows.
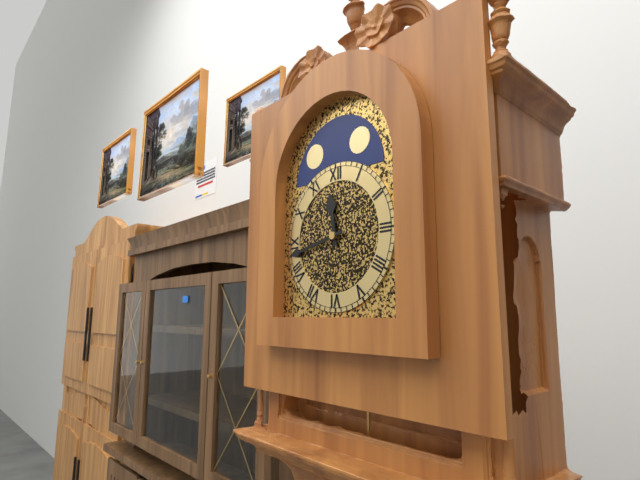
11:43
